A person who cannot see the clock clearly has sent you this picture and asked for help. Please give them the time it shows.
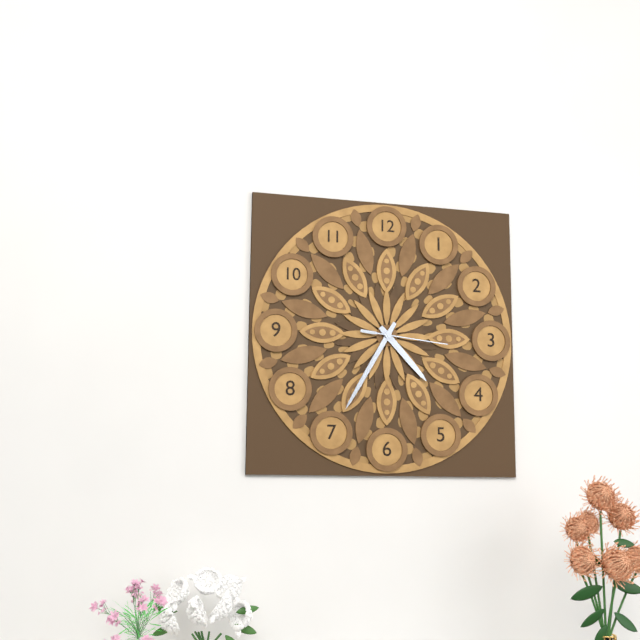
4:35:16
